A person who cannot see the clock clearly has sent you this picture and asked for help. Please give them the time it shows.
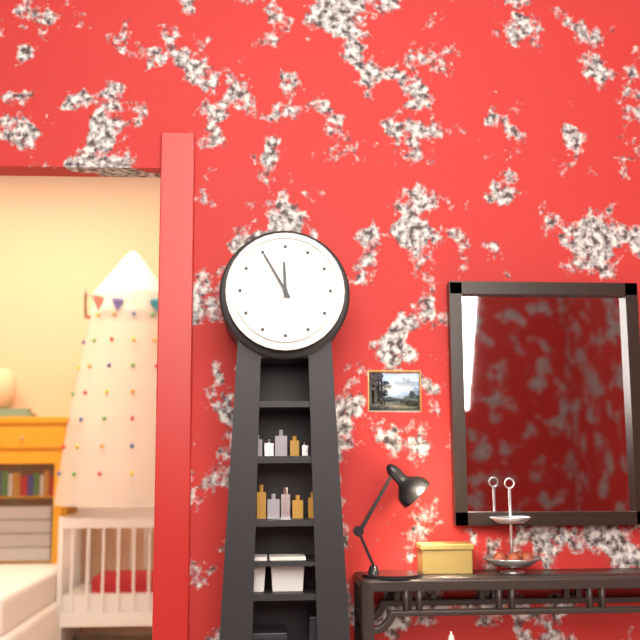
11:55
